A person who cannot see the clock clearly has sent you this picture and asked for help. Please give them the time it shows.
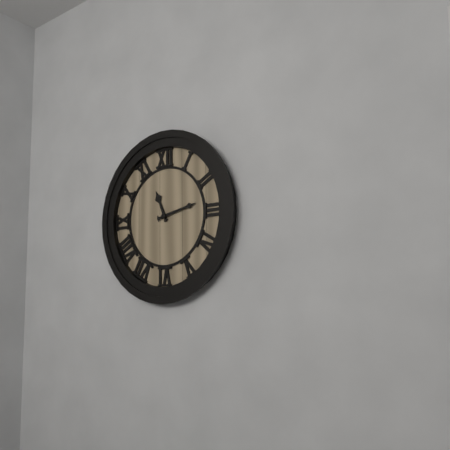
11:13
